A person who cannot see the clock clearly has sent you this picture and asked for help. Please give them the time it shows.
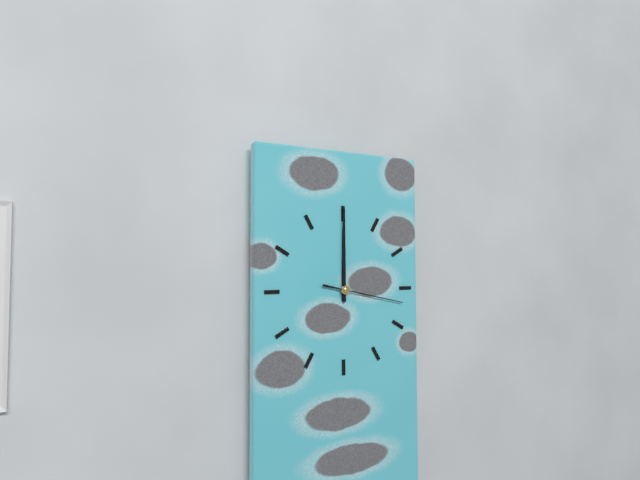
12:00:17
